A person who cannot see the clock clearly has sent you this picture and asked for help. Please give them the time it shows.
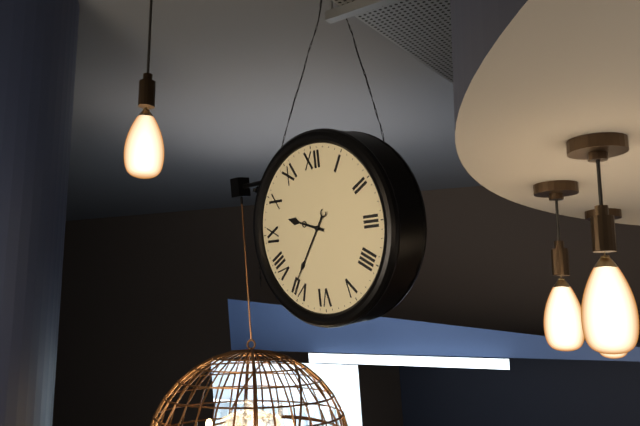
9:36
